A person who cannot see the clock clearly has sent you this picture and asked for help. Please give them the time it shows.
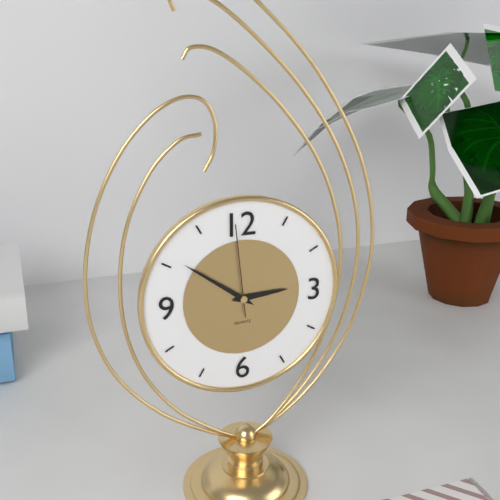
2:51:59
